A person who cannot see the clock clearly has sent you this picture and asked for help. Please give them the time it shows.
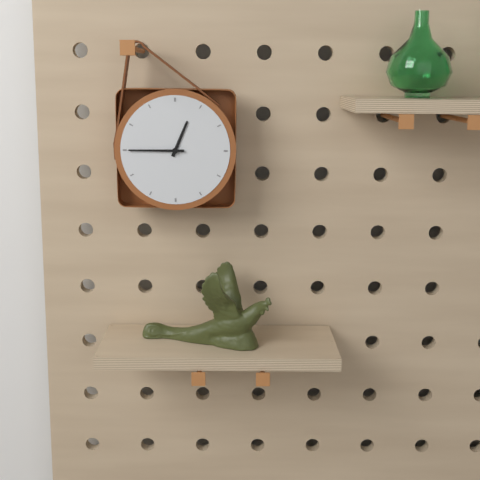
12:45
